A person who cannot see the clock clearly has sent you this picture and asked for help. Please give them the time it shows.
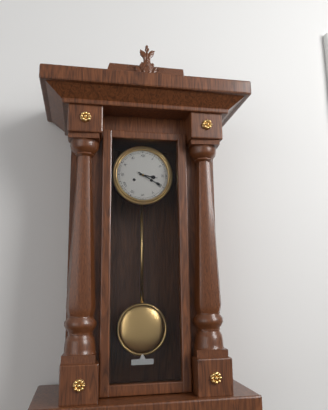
3:20
